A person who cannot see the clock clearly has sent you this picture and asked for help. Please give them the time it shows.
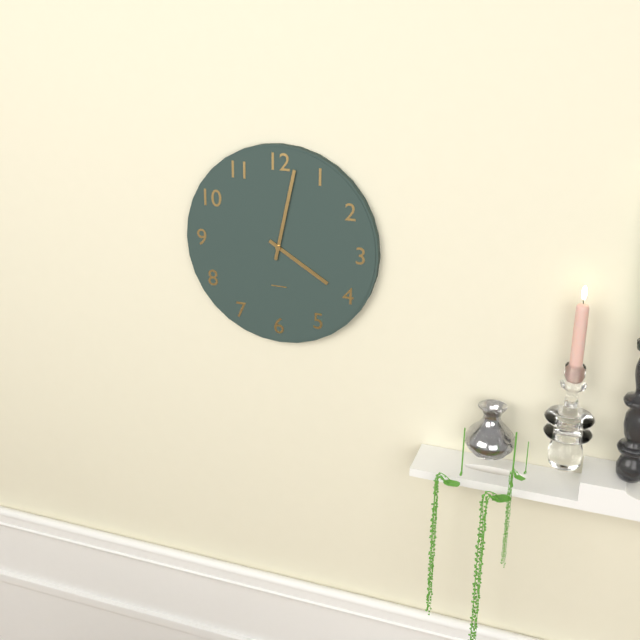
4:02
